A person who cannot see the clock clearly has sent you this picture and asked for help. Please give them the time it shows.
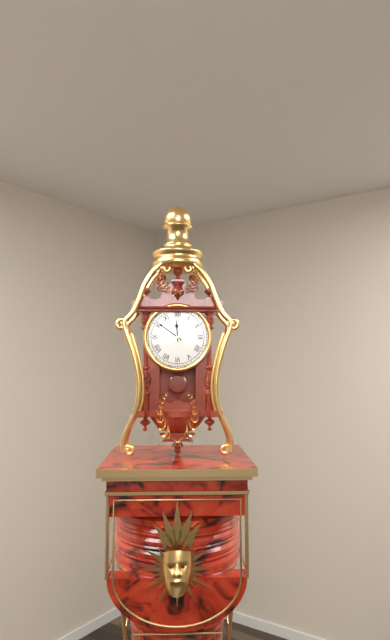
11:51
